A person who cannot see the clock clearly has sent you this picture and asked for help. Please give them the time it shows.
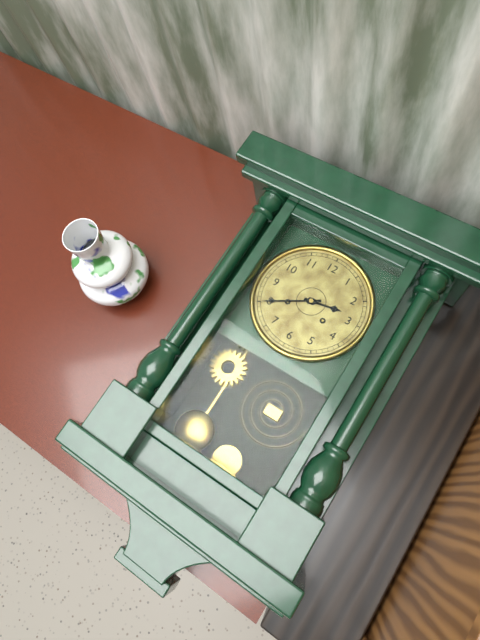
2:40
